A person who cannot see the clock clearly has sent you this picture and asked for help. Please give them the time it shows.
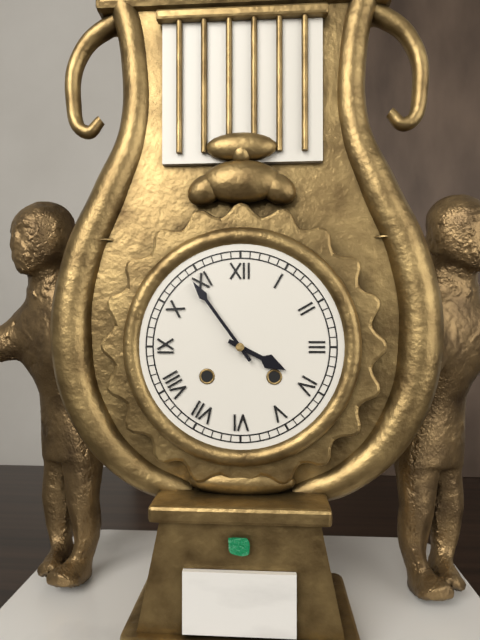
3:54
